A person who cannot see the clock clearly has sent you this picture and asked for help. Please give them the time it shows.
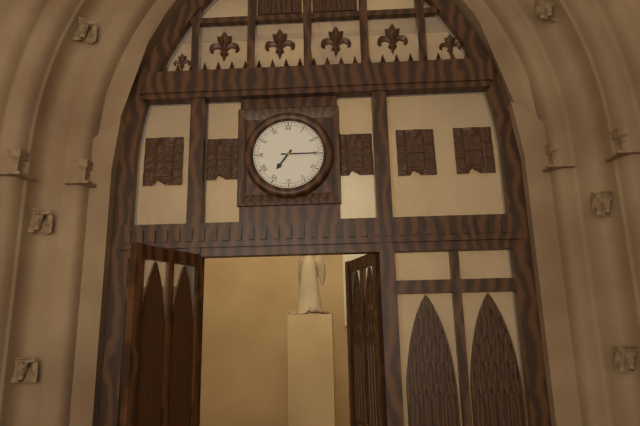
7:15
